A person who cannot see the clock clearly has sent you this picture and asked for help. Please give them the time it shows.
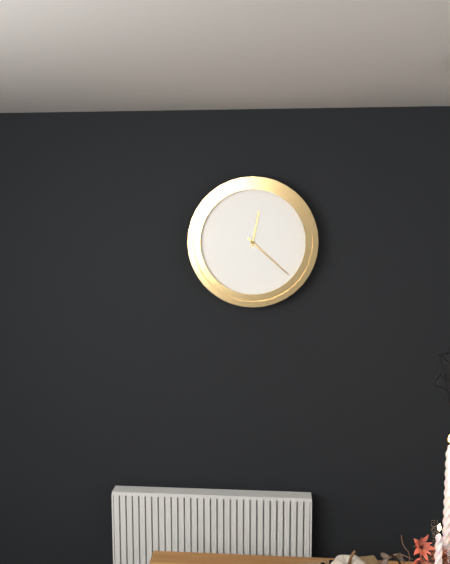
12:22
